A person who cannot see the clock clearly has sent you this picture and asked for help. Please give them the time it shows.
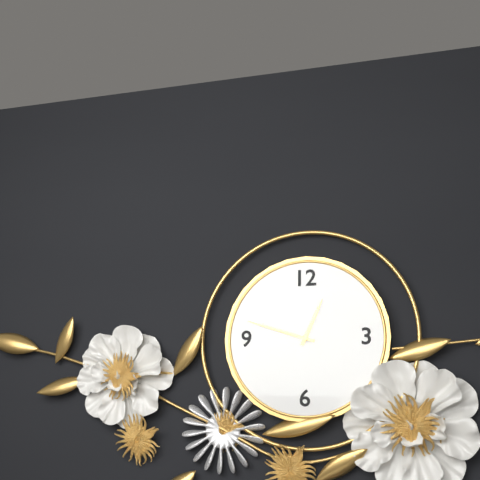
12:48
